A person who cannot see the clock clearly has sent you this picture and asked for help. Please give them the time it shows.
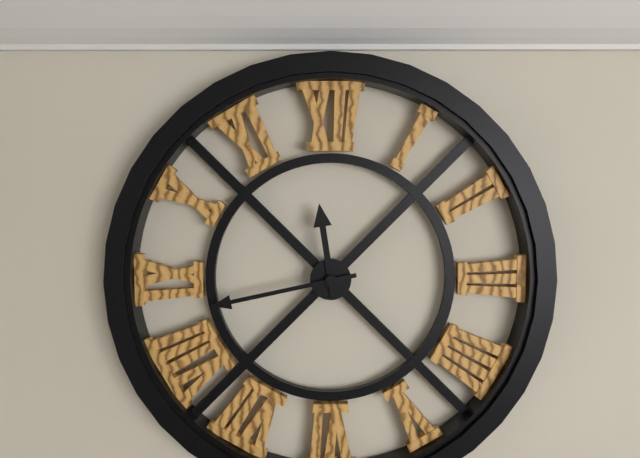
11:43
